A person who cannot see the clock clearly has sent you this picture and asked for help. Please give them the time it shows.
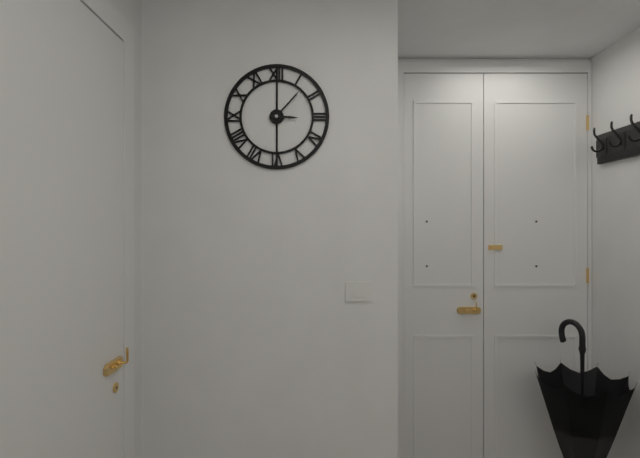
3:07
